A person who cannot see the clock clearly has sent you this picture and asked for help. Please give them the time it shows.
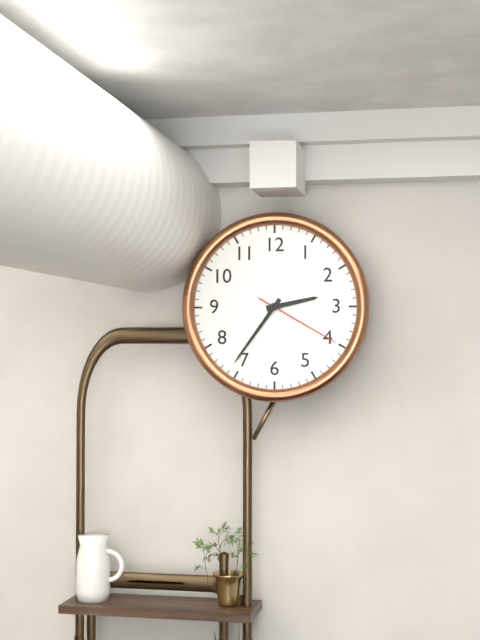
2:36:20
